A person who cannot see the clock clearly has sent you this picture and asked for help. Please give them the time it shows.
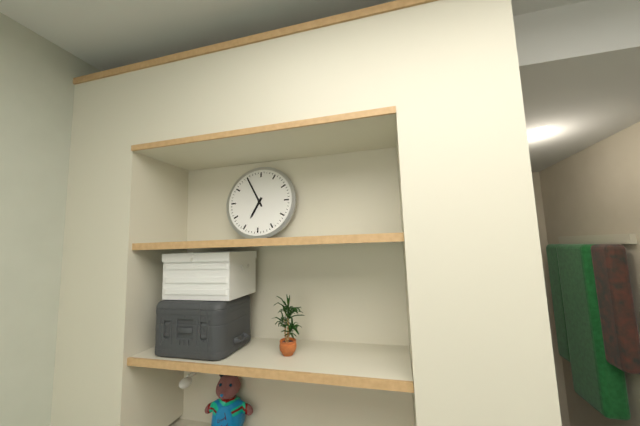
6:55
